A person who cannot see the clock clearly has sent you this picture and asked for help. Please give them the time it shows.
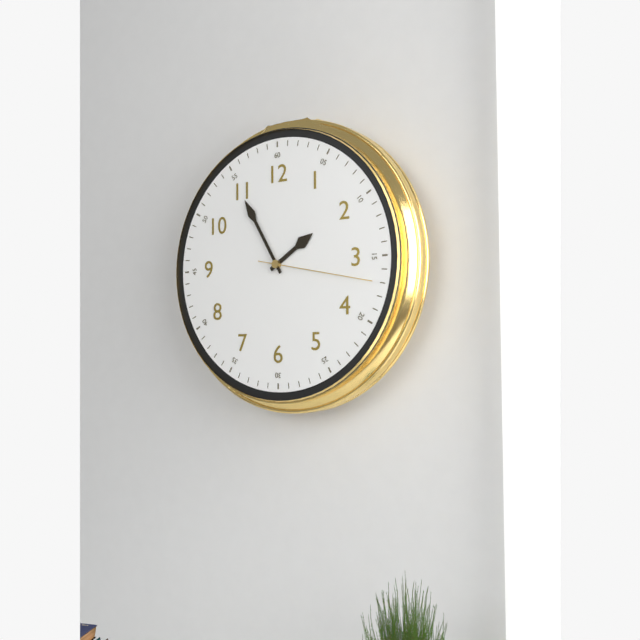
1:55:17
